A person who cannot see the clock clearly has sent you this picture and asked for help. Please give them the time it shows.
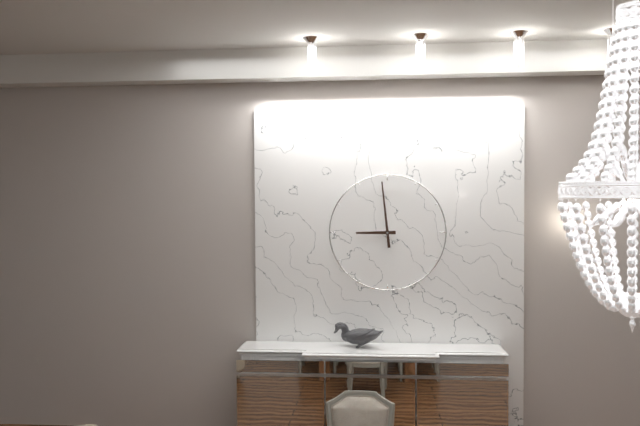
8:59
